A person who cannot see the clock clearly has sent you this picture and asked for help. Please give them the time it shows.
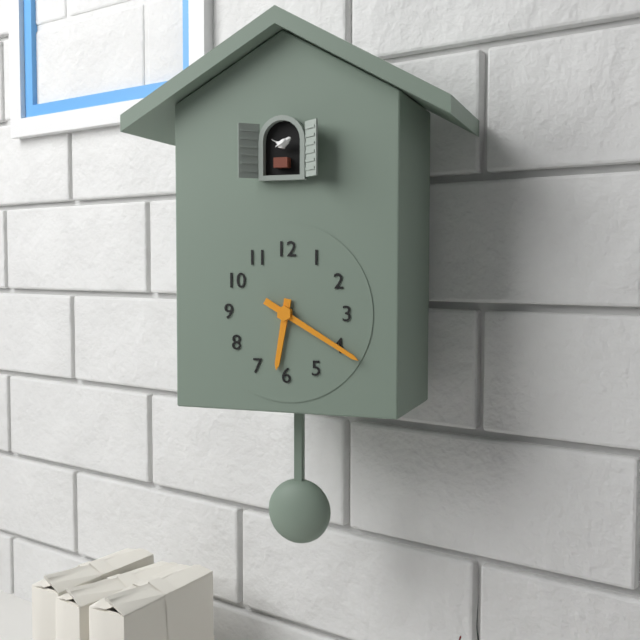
6:20
